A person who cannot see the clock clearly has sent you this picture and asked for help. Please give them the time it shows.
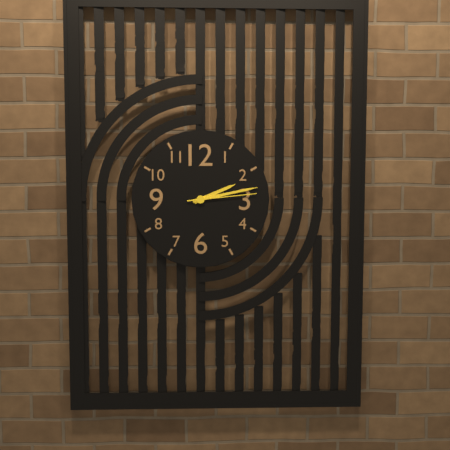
2:13:14
